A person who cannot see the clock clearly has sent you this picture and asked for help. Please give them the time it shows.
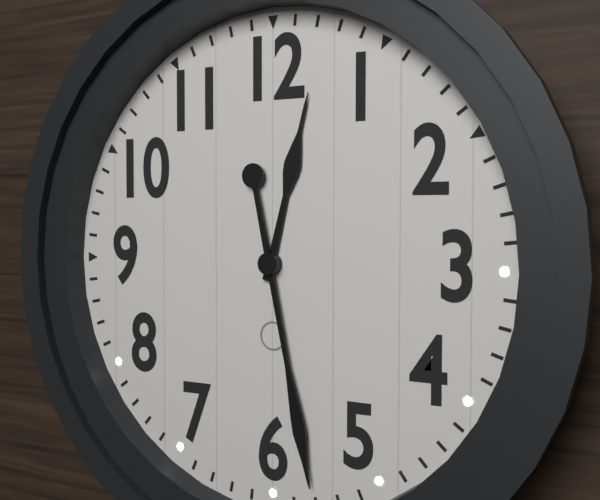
12:28
